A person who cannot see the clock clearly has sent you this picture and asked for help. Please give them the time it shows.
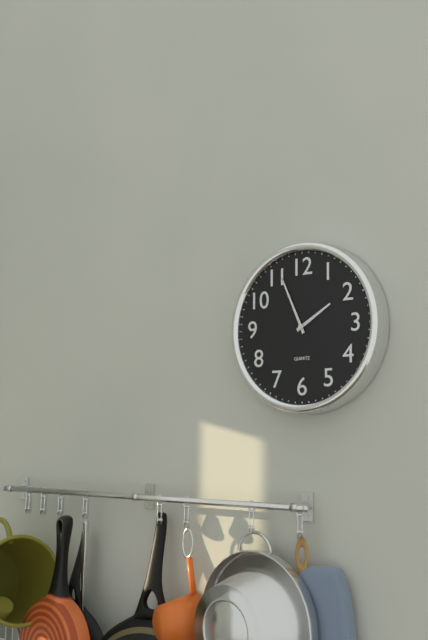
1:56
